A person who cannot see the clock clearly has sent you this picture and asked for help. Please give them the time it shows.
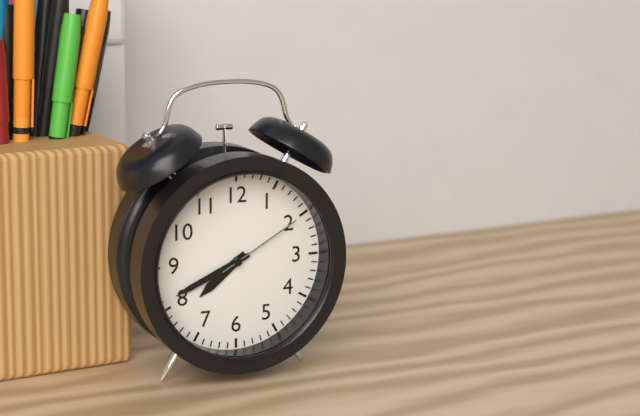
7:41:10
